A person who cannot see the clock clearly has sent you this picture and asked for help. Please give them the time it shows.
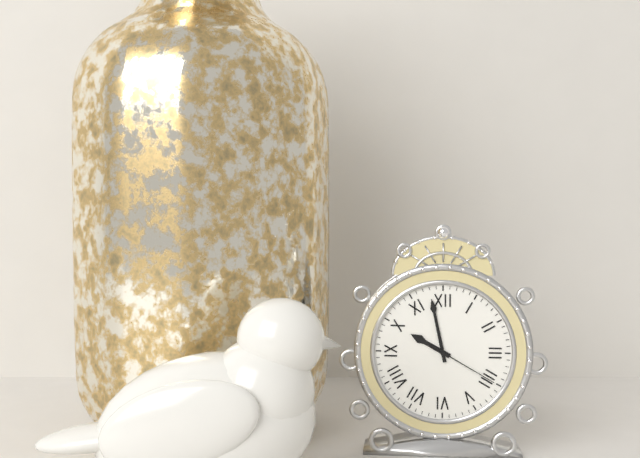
9:58:20
